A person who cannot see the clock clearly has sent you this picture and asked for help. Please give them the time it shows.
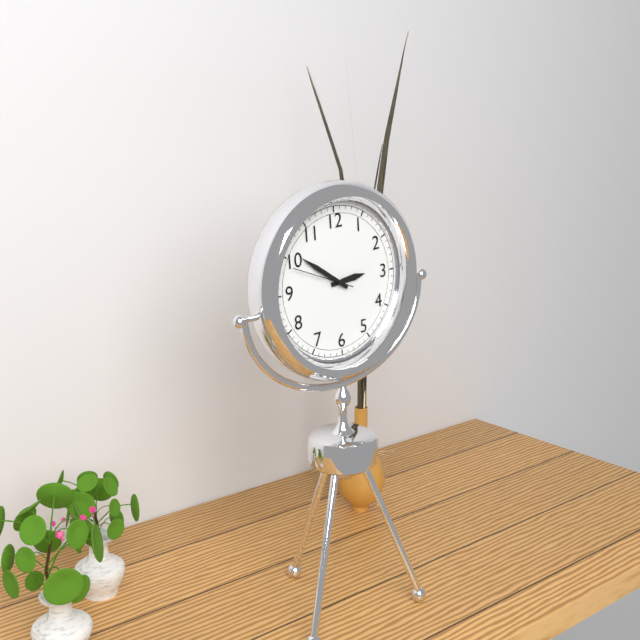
2:51:49
